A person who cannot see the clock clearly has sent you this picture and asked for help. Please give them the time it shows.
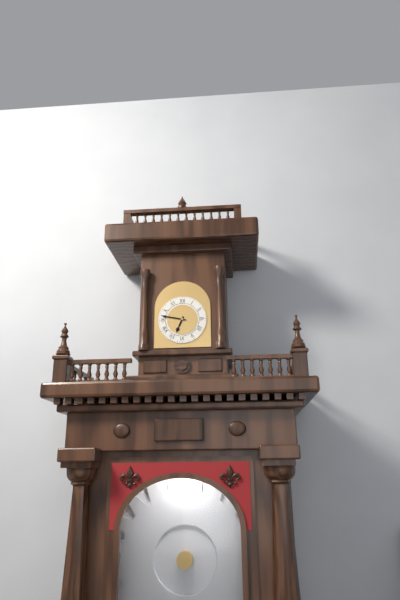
6:47
